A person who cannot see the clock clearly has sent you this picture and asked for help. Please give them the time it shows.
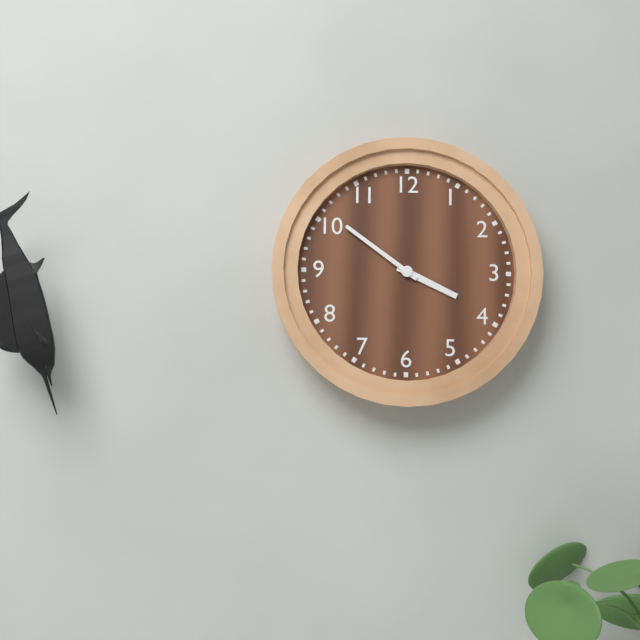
3:51
